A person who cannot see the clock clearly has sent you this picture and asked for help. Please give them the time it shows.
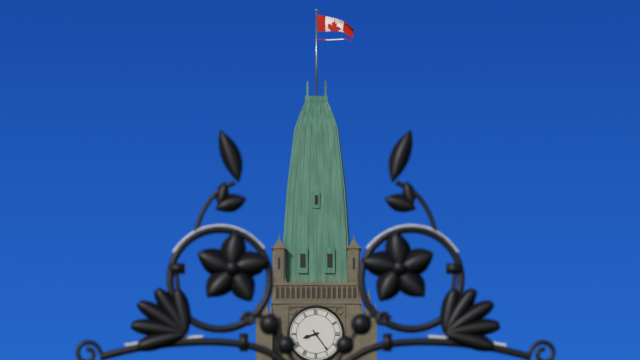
8:24
